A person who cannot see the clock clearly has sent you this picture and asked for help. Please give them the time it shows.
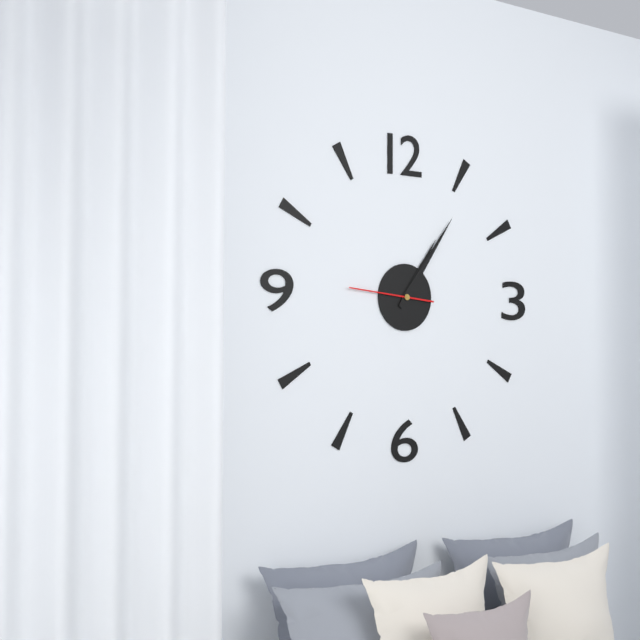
1:06:46
